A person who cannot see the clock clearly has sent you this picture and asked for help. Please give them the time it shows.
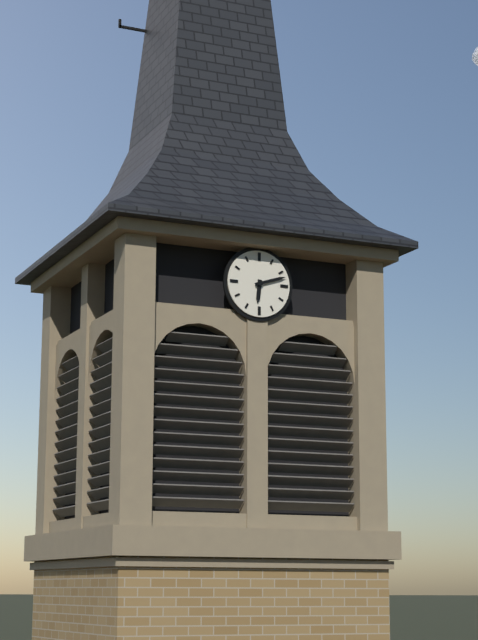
6:12
